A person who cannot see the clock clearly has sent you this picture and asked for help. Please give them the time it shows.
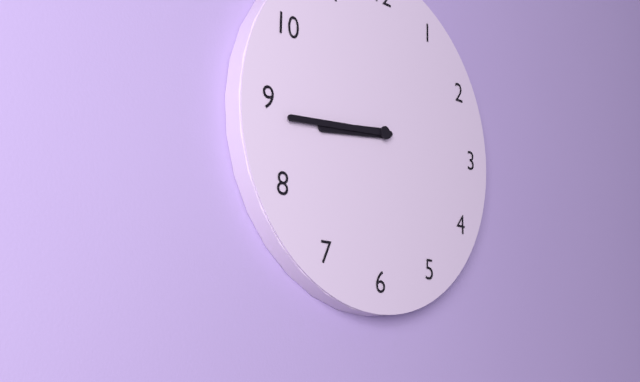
8:44
